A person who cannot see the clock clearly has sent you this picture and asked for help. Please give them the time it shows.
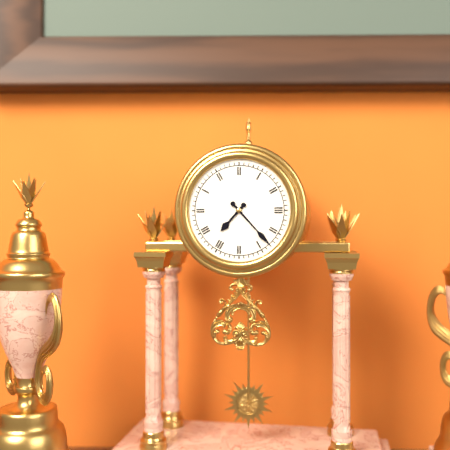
7:23
